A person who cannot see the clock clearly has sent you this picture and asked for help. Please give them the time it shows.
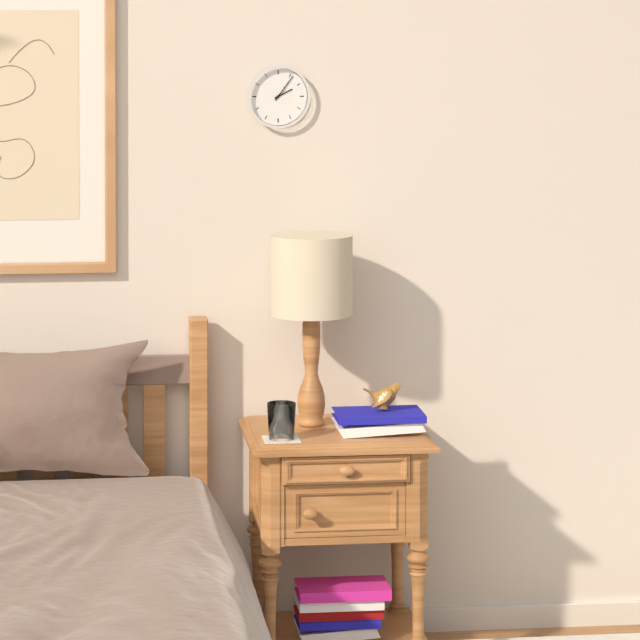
2:06
